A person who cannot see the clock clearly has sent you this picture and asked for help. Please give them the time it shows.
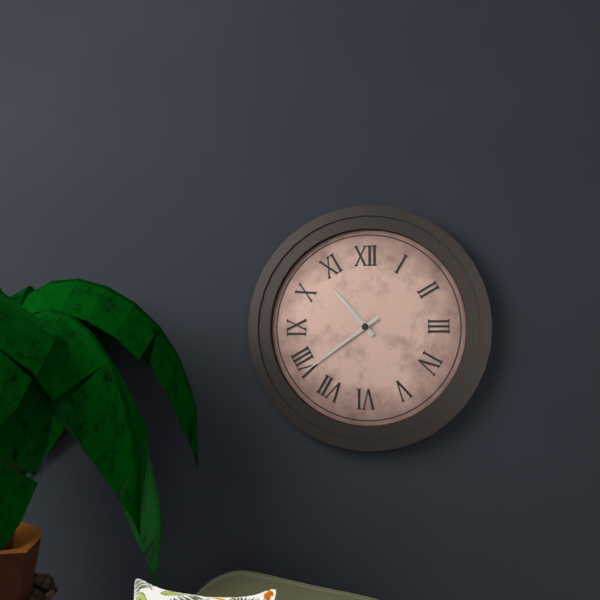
10:39
